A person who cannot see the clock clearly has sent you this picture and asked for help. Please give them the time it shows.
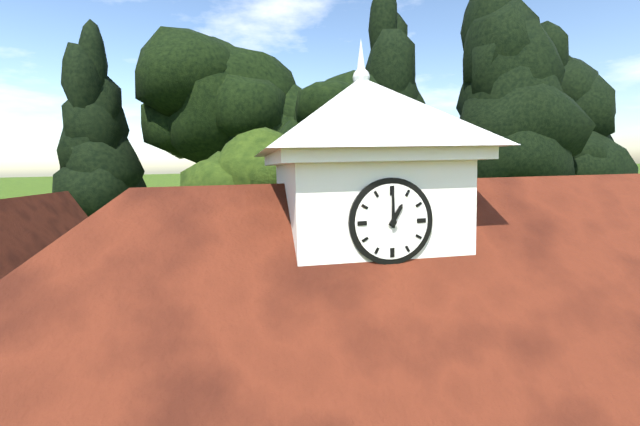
1:00
